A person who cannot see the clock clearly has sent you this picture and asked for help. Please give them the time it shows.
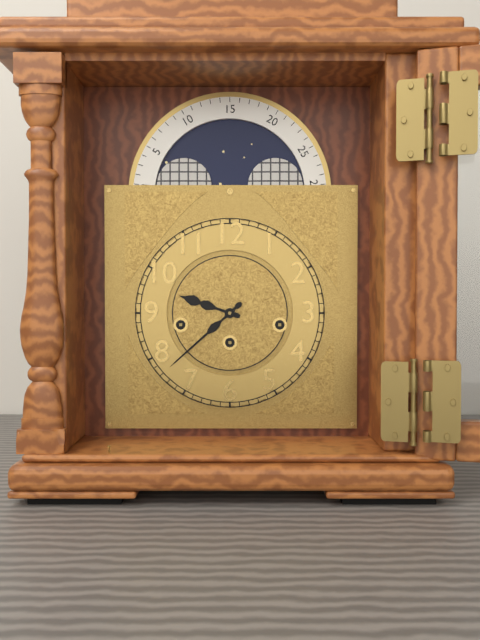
9:38
